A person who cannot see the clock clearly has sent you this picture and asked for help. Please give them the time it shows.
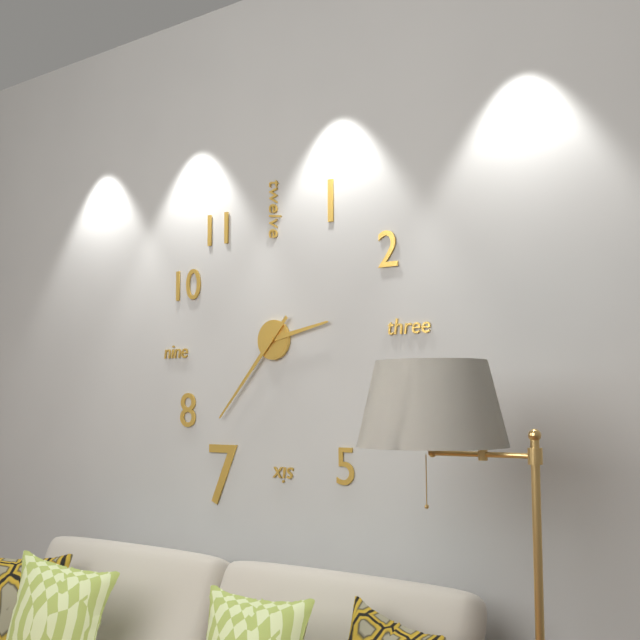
2:37
